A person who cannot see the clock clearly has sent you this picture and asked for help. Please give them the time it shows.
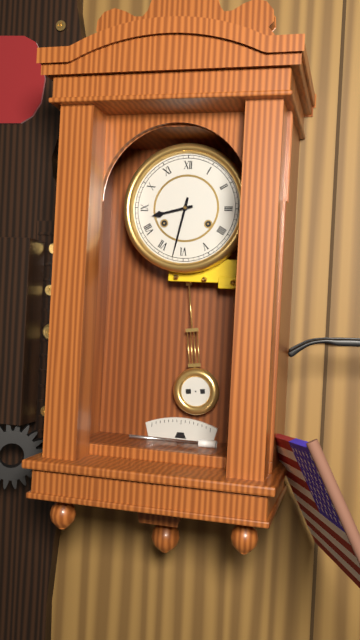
8:32
